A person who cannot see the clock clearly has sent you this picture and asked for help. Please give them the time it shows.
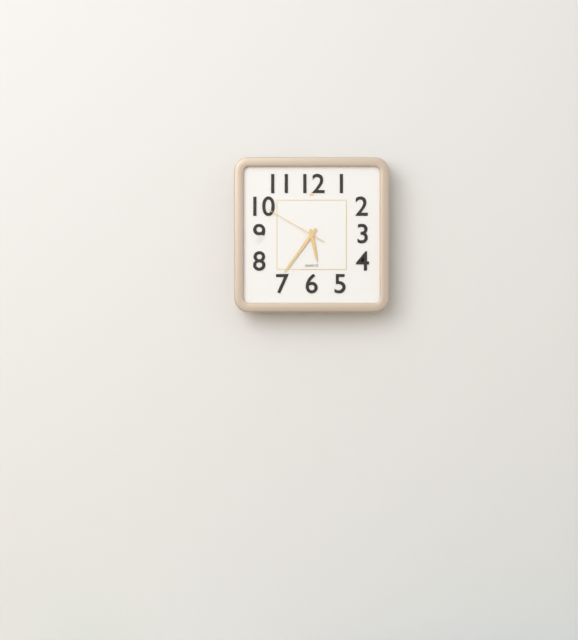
5:36:50
